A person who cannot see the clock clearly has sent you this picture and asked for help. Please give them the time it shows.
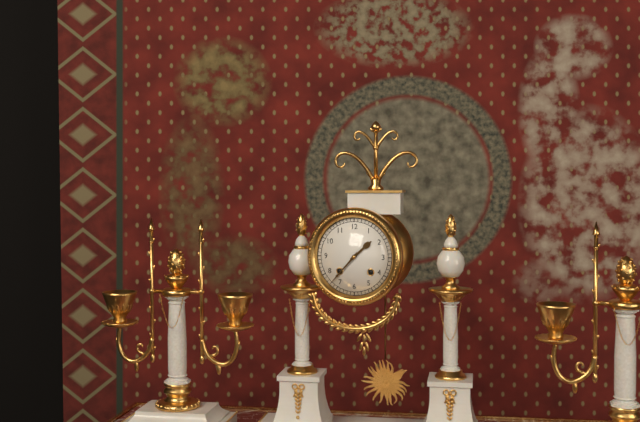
1:37
